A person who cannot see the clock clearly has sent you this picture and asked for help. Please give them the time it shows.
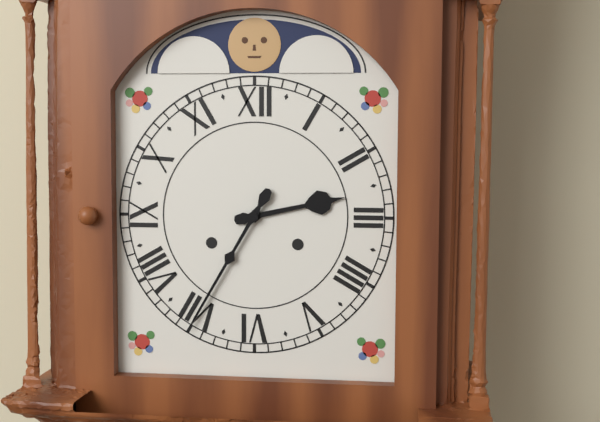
2:35
